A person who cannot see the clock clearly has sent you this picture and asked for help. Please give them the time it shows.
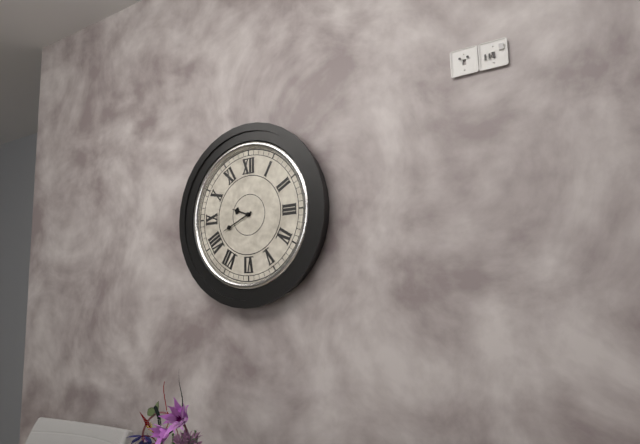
9:41
